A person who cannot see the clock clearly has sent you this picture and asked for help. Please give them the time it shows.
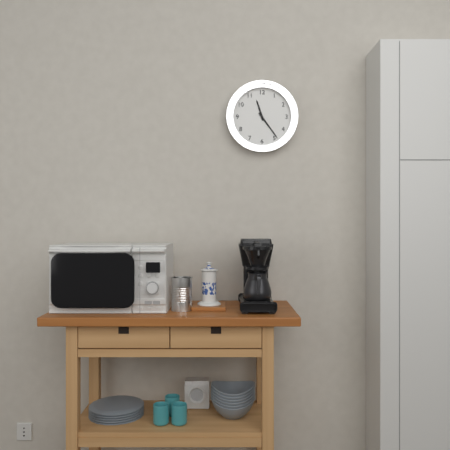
11:24
